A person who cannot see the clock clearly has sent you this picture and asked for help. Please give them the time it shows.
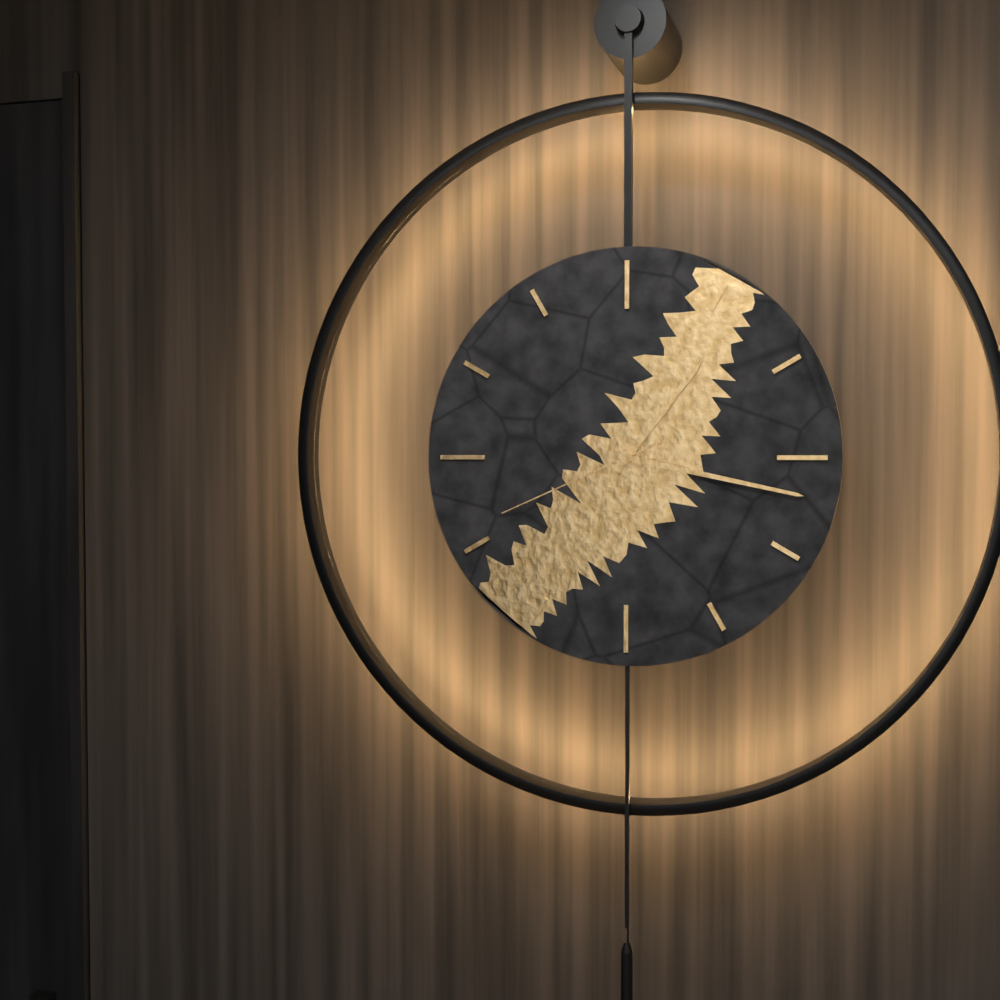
1:17:41
